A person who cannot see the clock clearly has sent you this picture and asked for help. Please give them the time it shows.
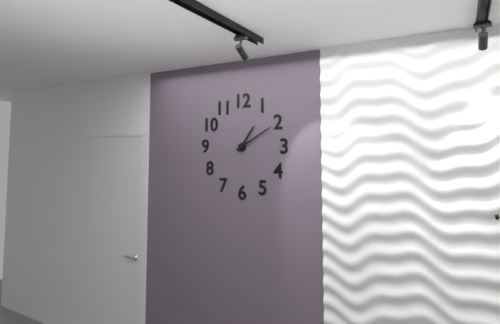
1:10
